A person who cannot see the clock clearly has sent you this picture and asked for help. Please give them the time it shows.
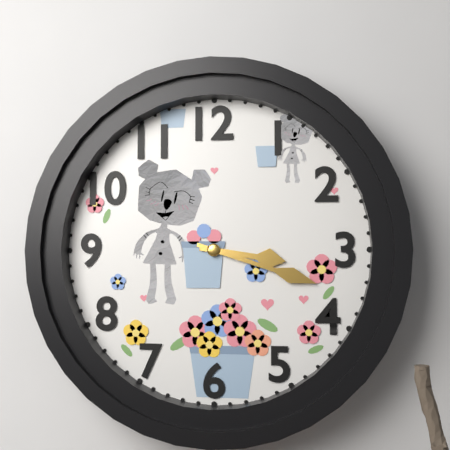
3:18
